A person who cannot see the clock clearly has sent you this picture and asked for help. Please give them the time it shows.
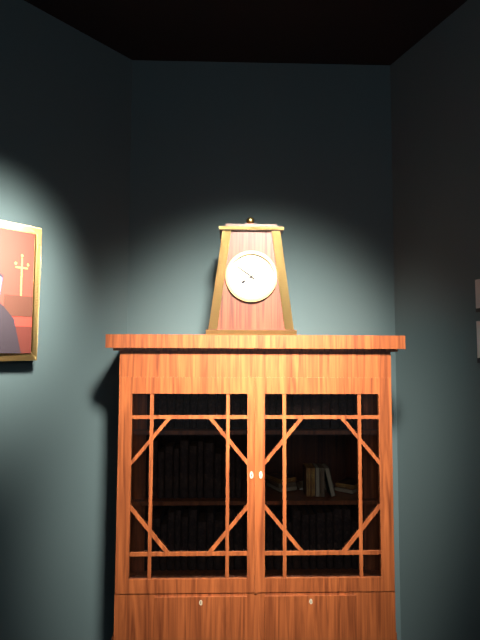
7:51
